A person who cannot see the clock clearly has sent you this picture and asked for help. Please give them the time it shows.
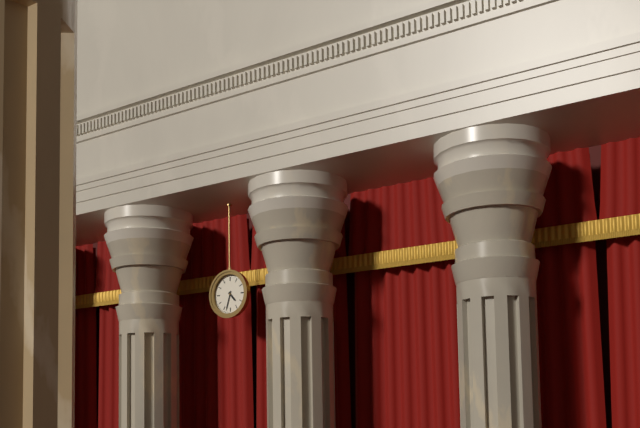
4:33
